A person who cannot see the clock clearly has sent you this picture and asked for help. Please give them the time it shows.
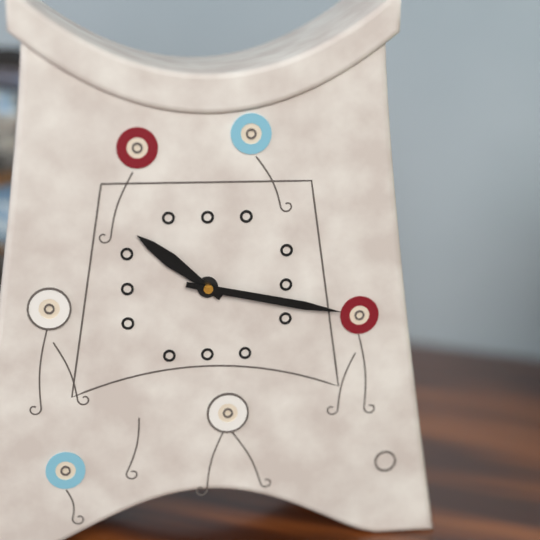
10:17
